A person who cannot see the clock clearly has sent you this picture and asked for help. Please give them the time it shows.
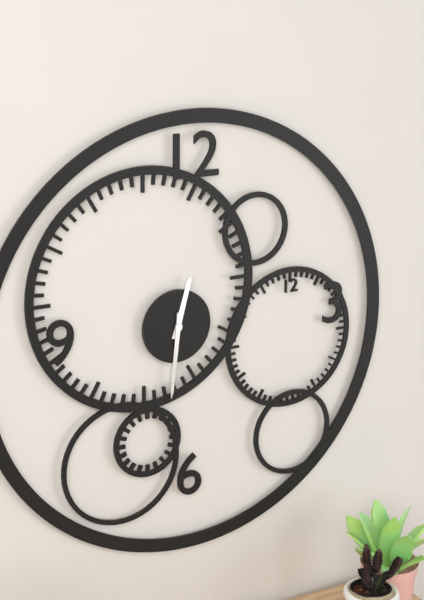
12:31
